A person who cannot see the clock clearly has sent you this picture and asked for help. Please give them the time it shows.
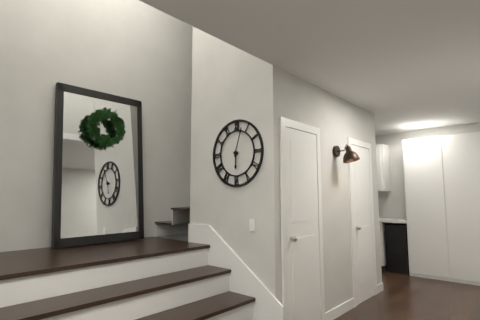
6:03
